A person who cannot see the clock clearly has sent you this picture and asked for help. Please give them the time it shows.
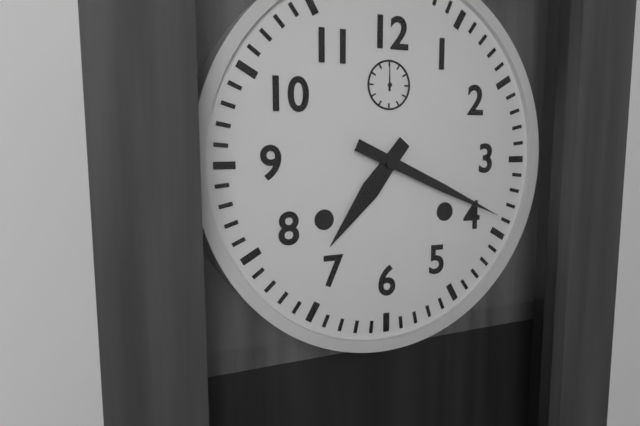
7:19
